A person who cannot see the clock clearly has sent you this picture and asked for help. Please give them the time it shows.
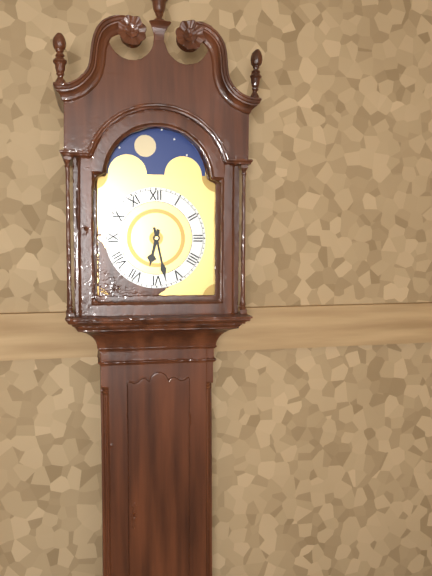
6:28
